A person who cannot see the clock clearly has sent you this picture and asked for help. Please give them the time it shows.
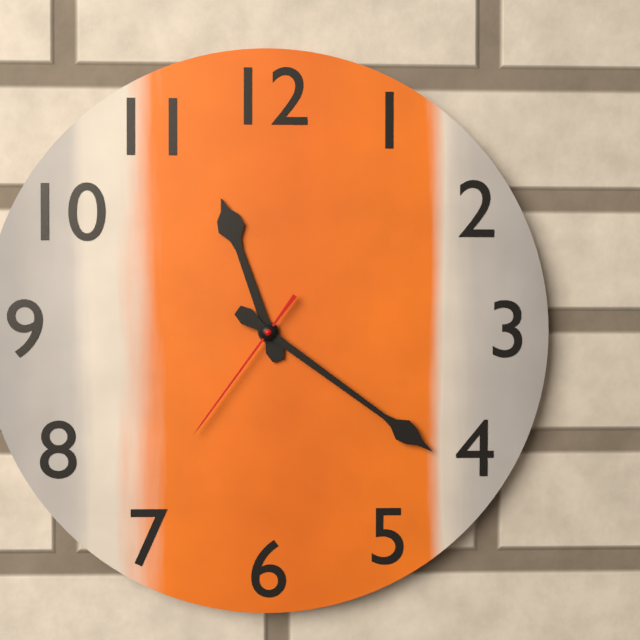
11:21:36
